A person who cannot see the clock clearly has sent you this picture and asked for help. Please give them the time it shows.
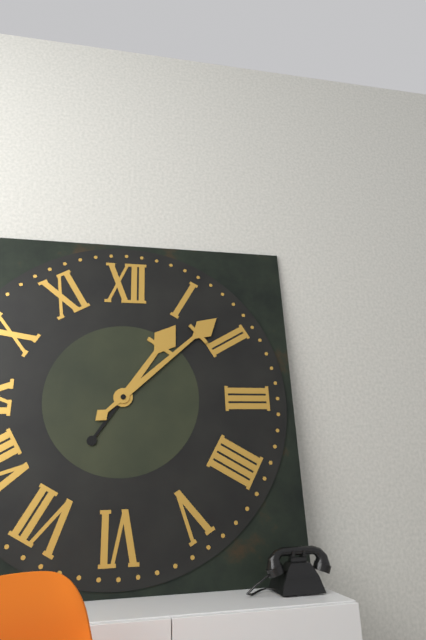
1:08
